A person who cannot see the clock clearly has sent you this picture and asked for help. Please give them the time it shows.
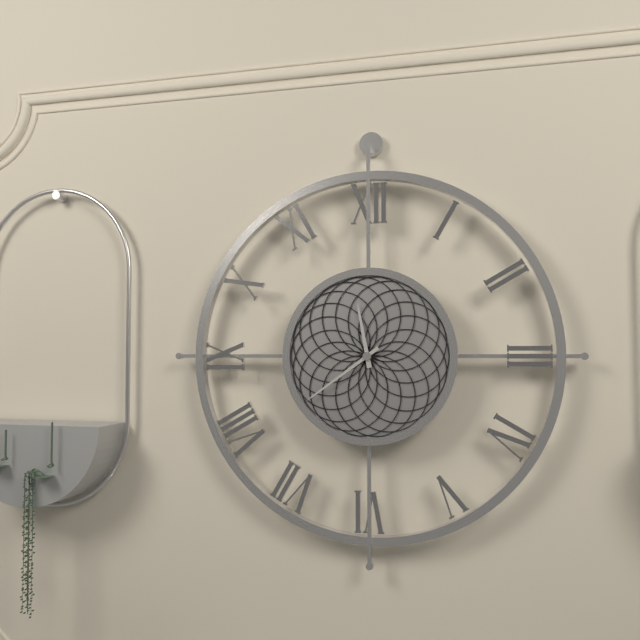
11:39
